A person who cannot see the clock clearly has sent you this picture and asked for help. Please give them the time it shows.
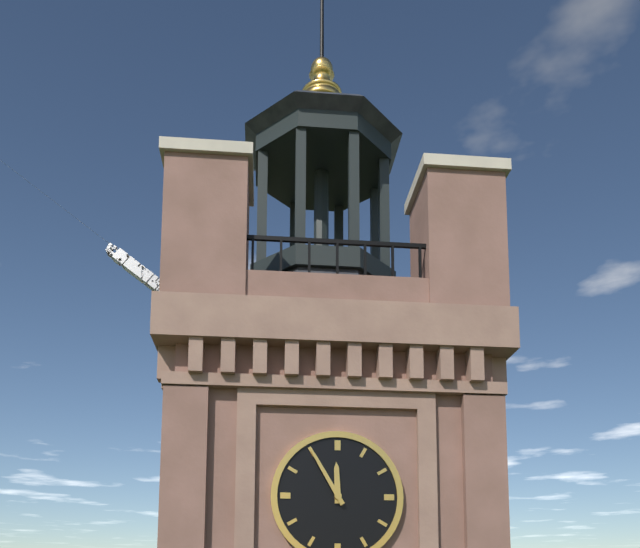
11:55
